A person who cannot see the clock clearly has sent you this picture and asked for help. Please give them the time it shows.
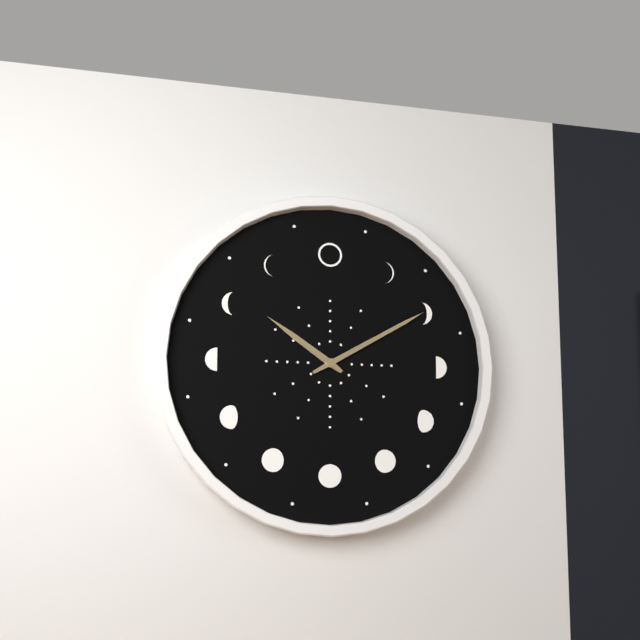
10:10
